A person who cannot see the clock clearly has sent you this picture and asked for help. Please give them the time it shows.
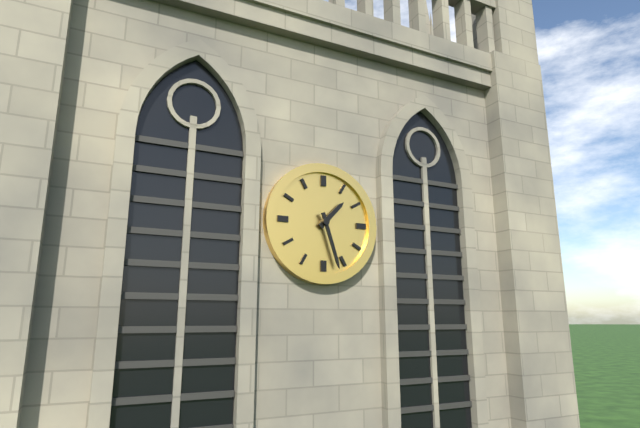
1:27
